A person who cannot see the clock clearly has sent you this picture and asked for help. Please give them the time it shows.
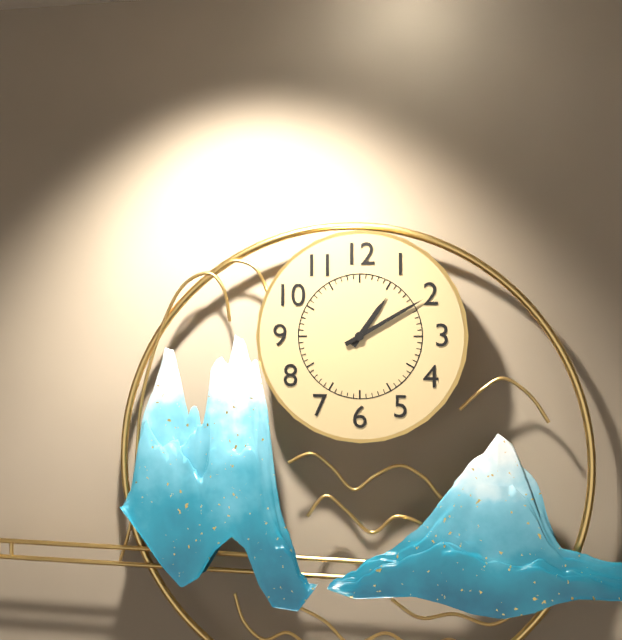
1:10
